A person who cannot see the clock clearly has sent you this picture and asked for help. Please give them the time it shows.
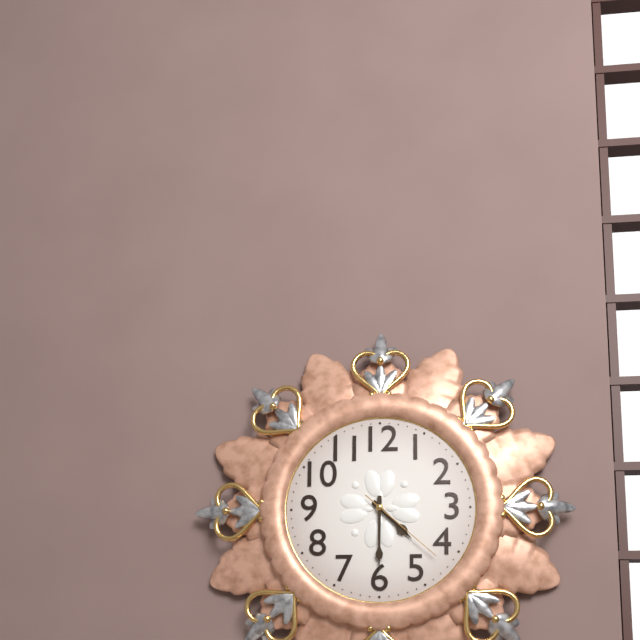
4:30:22
